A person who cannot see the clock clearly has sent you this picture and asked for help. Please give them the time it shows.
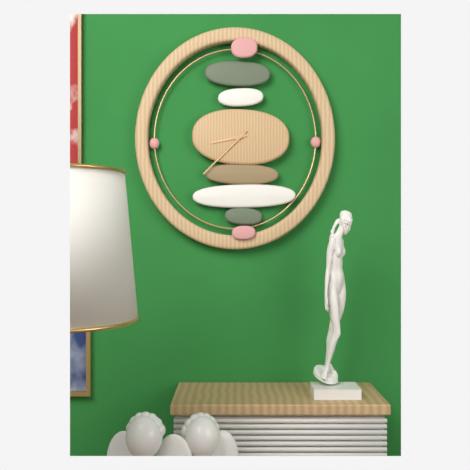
8:38
